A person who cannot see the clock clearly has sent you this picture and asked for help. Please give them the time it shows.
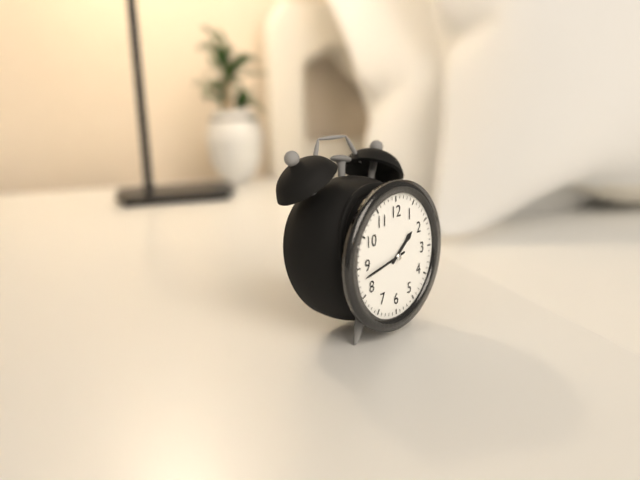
1:43
